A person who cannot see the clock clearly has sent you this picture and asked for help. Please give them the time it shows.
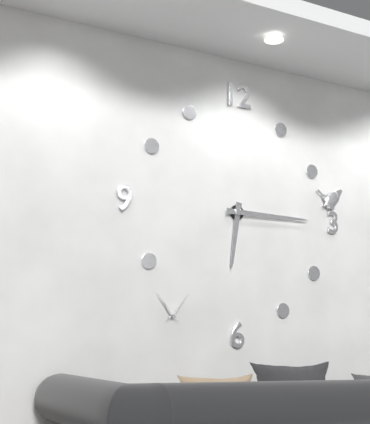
6:15
